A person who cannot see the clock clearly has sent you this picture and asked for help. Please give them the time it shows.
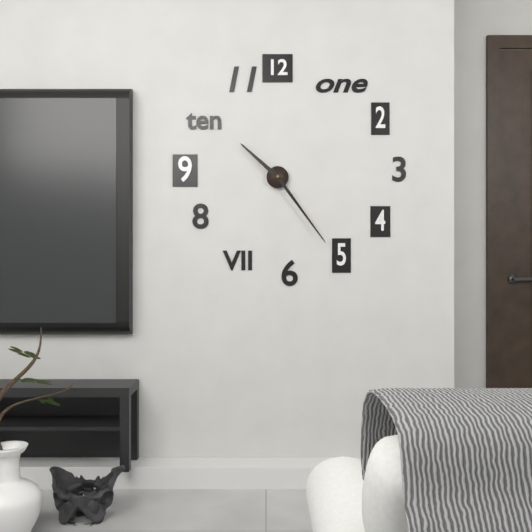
10:24
